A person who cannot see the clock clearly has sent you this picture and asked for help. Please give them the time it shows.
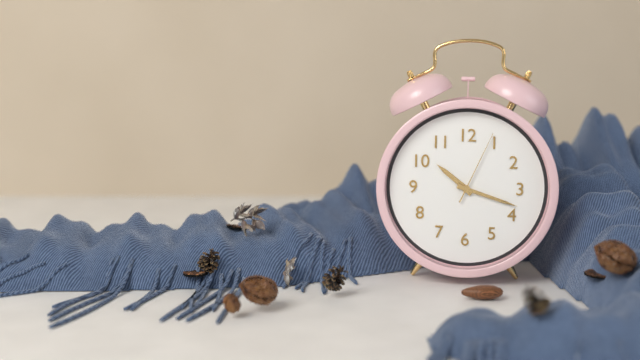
10:18:04
